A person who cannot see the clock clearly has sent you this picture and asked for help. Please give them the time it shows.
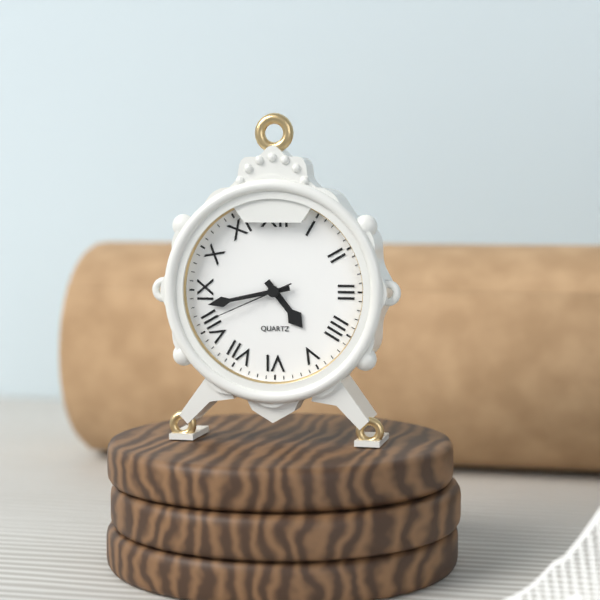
4:43:41
